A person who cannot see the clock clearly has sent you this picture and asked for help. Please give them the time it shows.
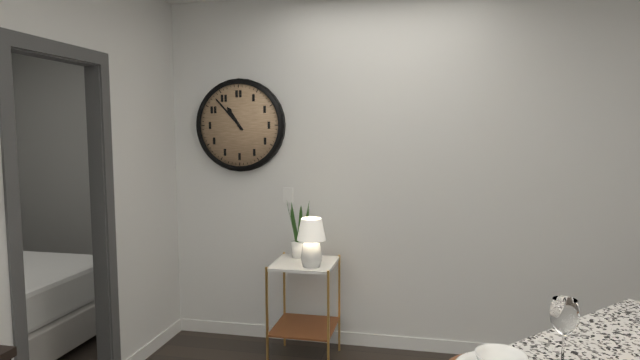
10:53
